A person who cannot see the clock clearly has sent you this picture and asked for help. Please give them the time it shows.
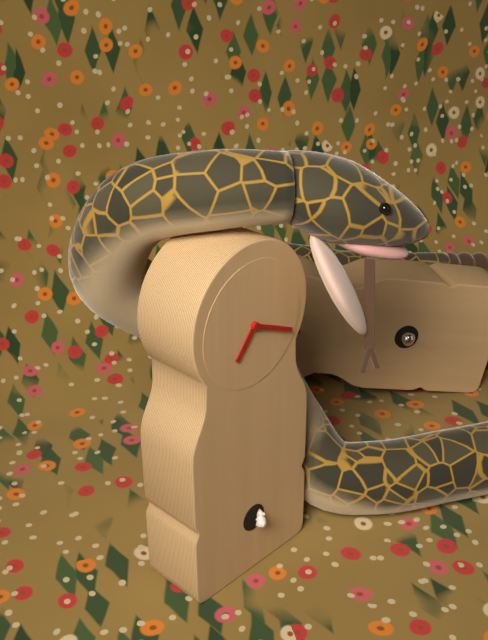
7:19
